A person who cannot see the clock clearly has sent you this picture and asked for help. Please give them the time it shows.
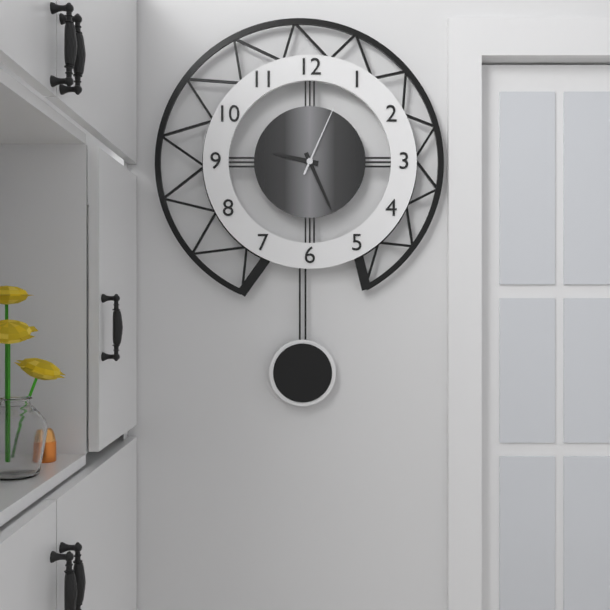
9:26:04
